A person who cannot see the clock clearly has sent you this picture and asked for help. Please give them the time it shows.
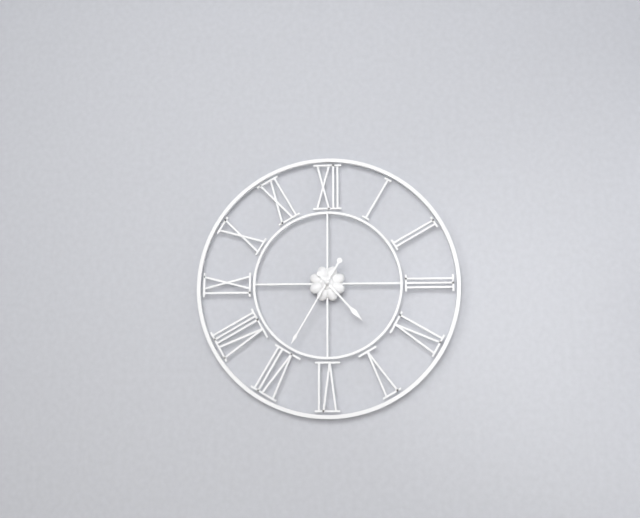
4:35
